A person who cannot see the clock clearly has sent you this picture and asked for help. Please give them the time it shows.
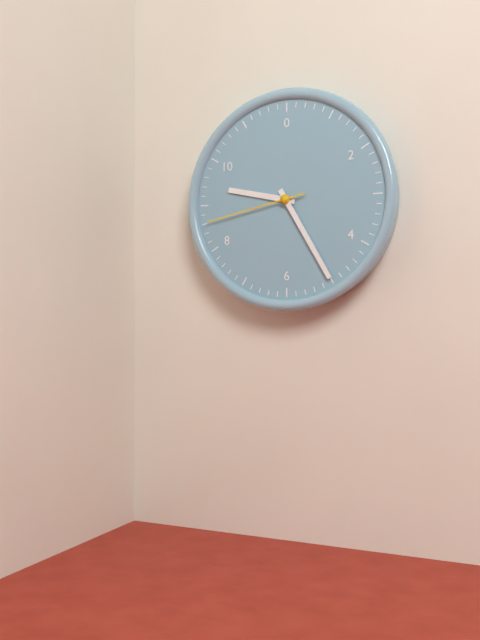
9:25:43
